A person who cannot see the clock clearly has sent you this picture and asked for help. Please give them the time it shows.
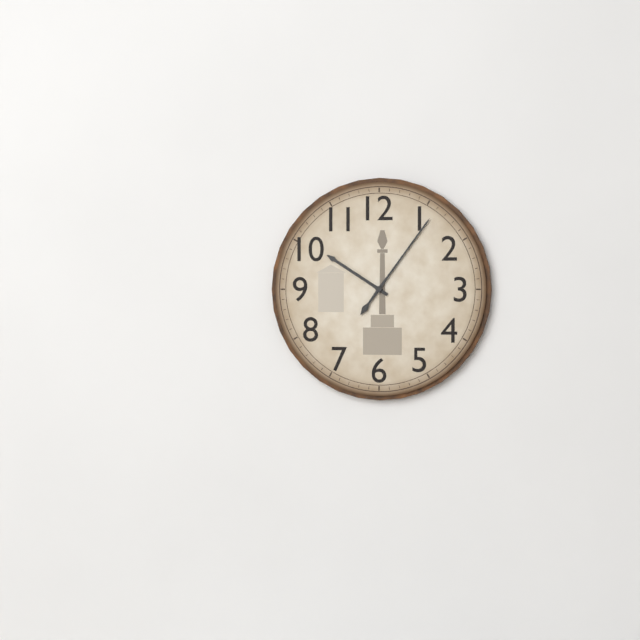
10:06
